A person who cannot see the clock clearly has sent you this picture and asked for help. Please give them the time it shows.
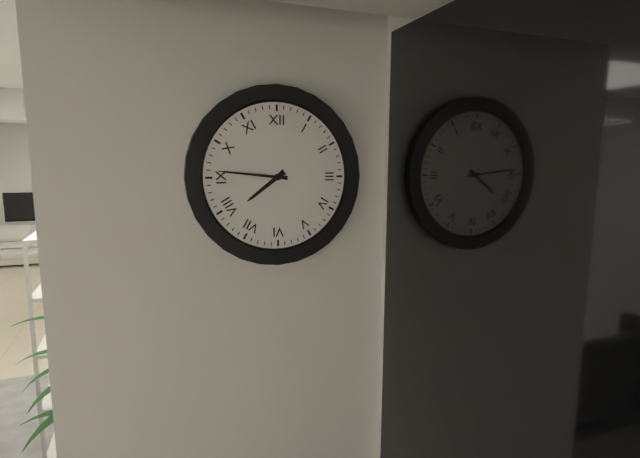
7:46
